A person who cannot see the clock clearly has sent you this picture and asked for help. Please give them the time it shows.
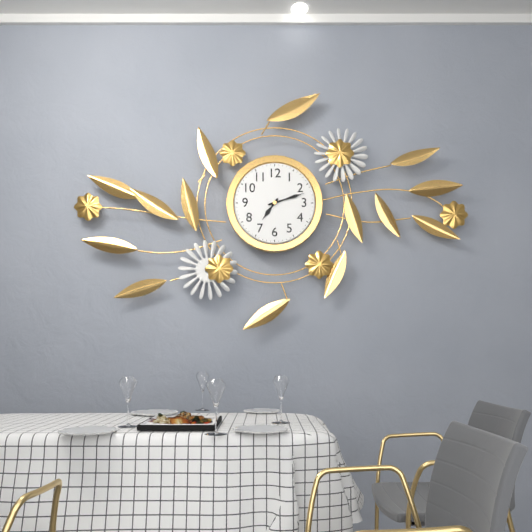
7:12
